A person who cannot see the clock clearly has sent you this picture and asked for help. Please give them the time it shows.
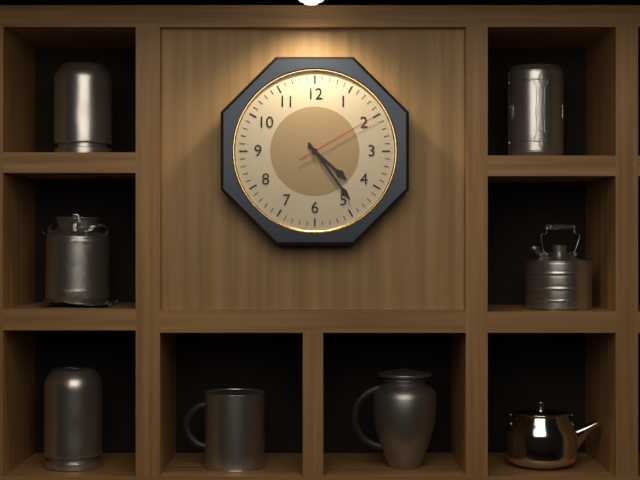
4:24:10
